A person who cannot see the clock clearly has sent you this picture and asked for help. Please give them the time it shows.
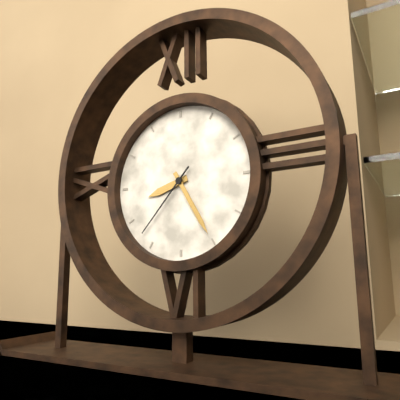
8:25:37
